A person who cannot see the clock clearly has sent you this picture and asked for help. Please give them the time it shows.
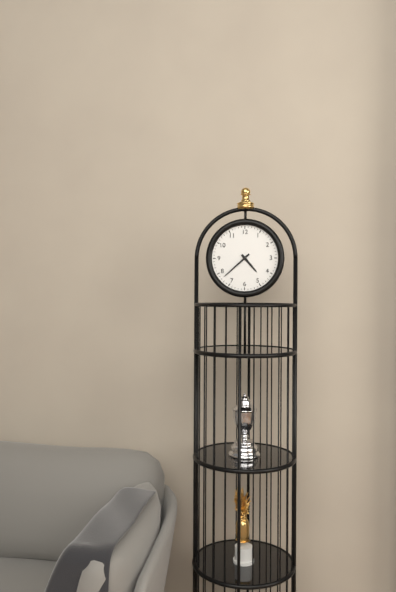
4:38
